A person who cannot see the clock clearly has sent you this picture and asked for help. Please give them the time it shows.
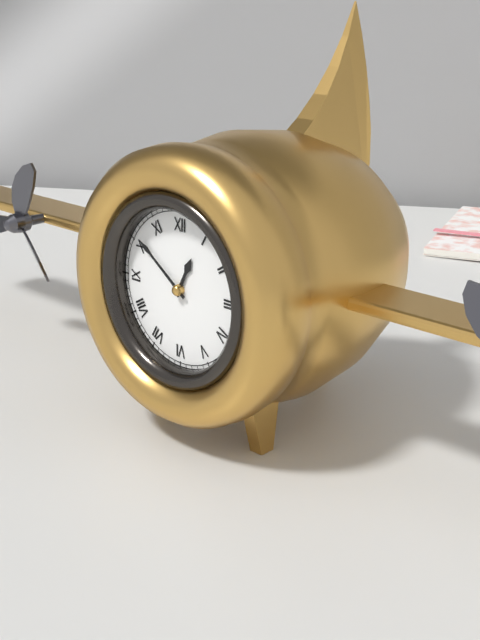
12:51
